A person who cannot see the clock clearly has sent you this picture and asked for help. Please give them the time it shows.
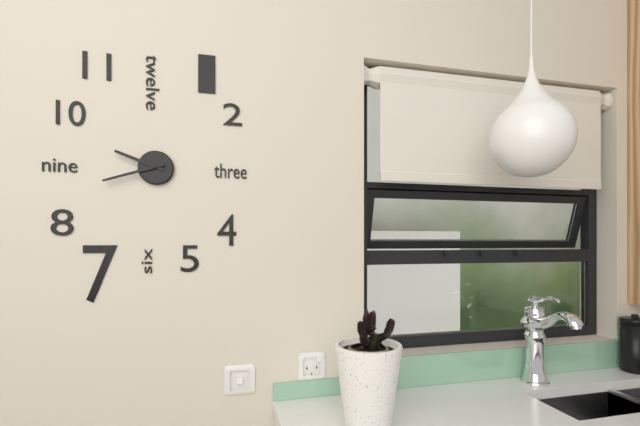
9:42
